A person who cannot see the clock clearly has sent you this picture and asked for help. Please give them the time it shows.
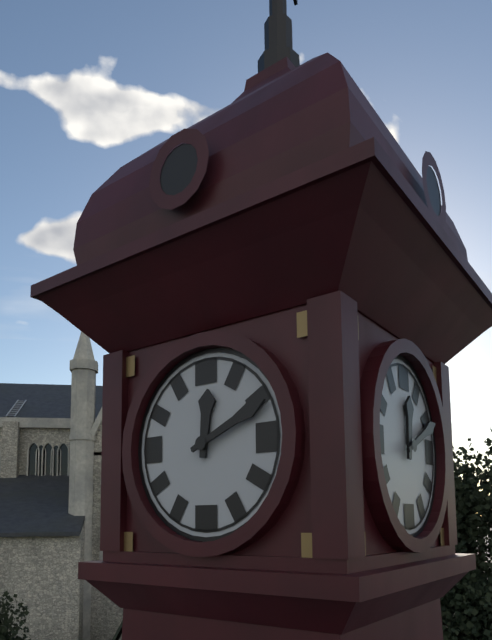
12:11
